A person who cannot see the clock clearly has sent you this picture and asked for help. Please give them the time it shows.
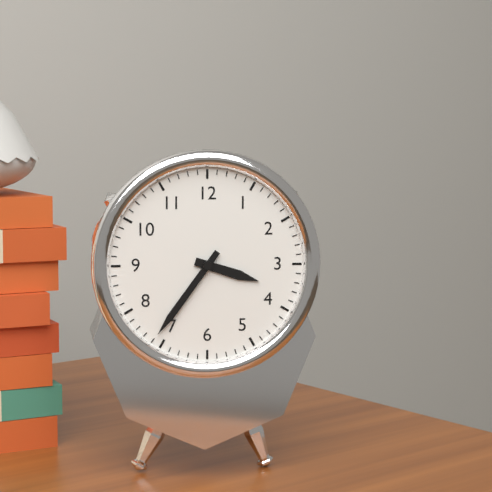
3:36
